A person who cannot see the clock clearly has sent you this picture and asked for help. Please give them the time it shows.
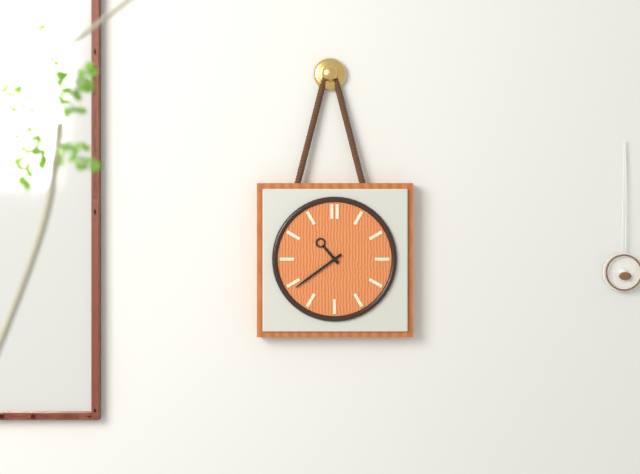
10:39
